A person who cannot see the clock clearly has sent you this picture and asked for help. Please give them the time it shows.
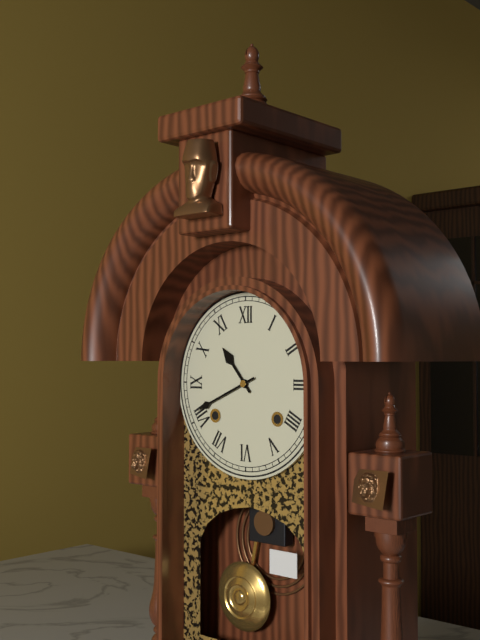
10:41
